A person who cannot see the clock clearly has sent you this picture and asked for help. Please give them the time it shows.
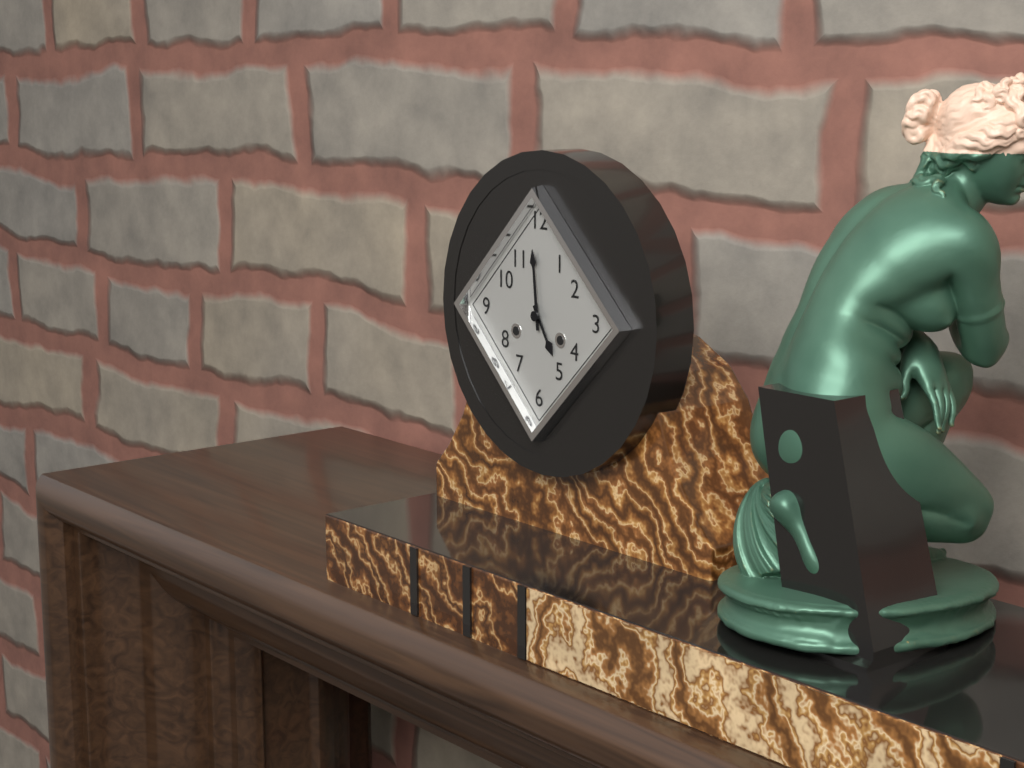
4:59
